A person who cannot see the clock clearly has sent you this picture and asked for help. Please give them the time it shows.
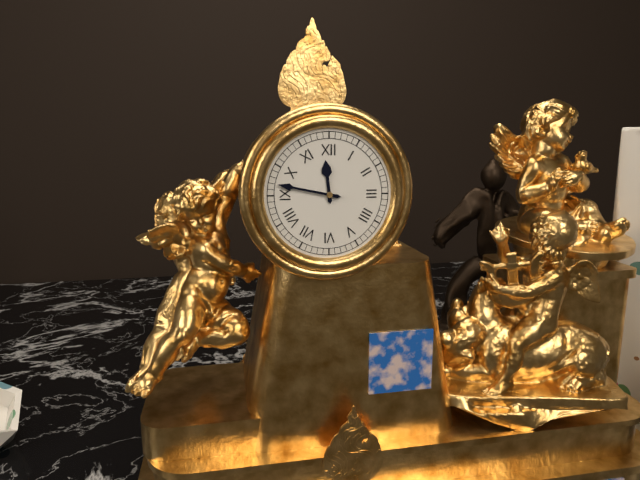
11:47
